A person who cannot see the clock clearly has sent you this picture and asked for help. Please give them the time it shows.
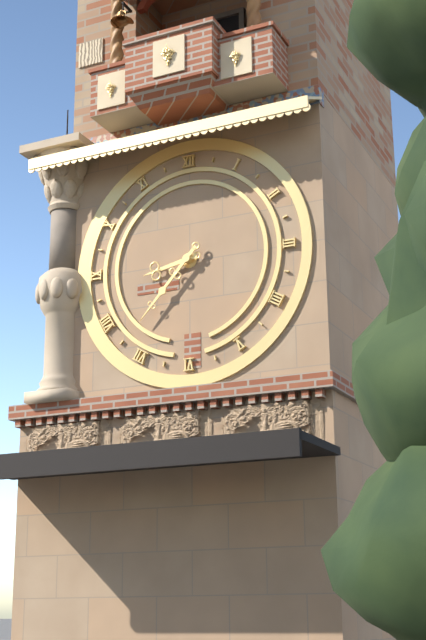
8:37
